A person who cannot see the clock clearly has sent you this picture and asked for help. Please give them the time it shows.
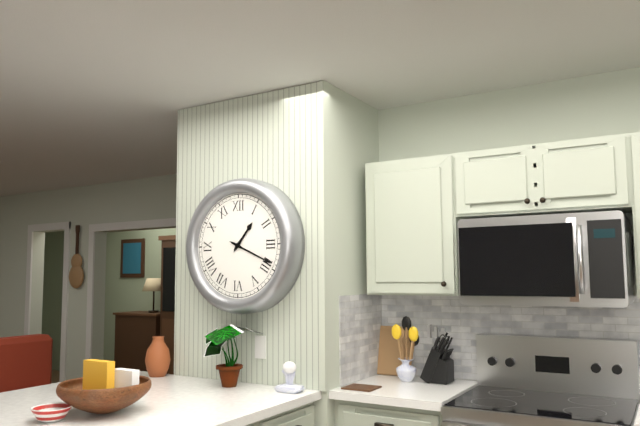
1:19
